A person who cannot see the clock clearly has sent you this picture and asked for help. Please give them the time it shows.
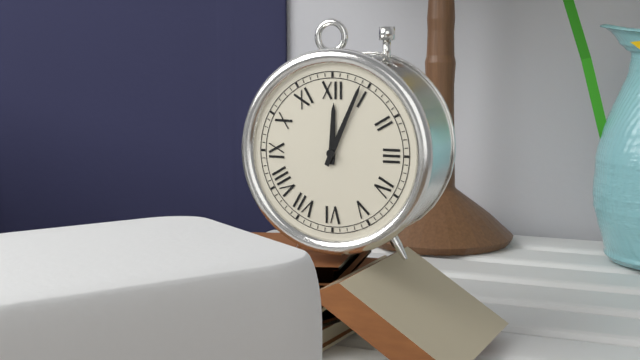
12:04
